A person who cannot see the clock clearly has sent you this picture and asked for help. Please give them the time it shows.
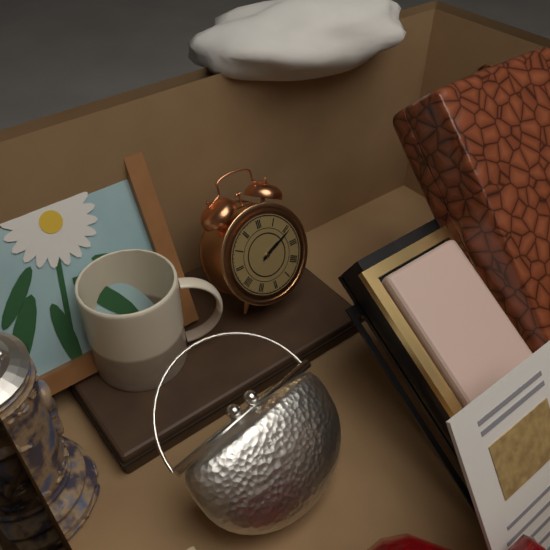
2:11
